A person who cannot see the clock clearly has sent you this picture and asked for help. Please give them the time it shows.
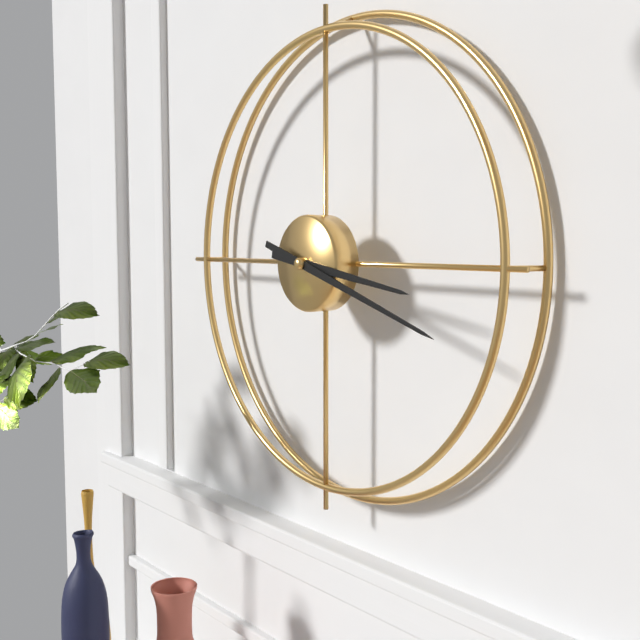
3:18
